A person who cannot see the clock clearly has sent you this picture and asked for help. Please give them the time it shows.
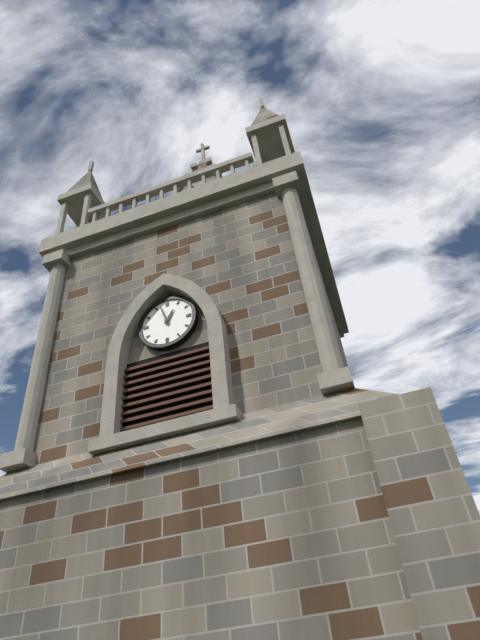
12:57
